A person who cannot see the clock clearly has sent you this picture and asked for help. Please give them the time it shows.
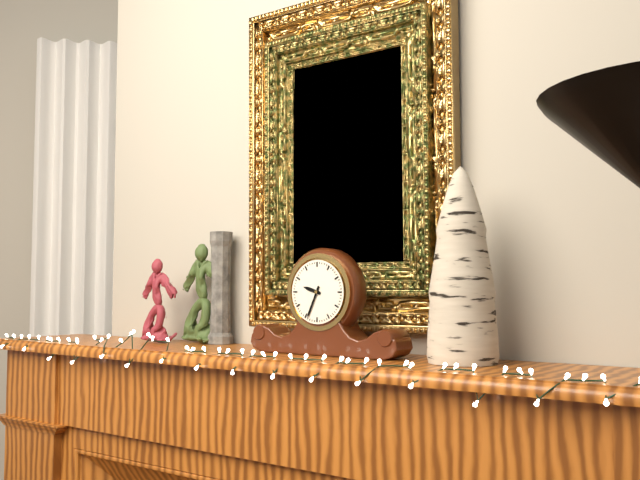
9:34
